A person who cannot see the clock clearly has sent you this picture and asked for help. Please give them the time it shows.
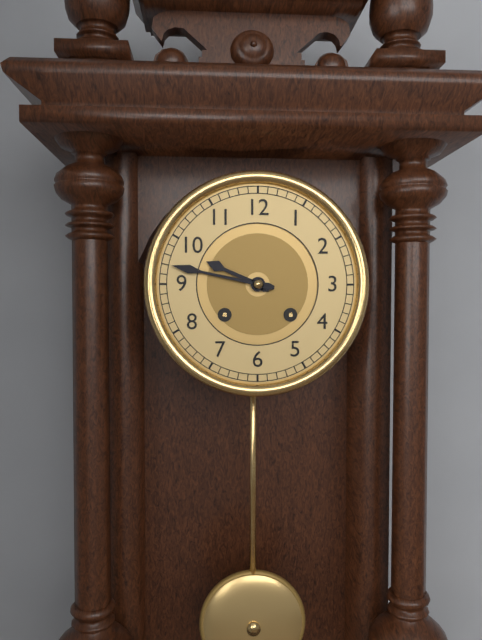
9:47
